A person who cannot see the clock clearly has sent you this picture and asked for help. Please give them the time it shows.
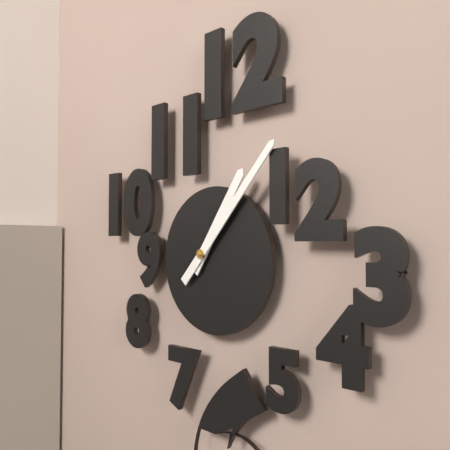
1:07
